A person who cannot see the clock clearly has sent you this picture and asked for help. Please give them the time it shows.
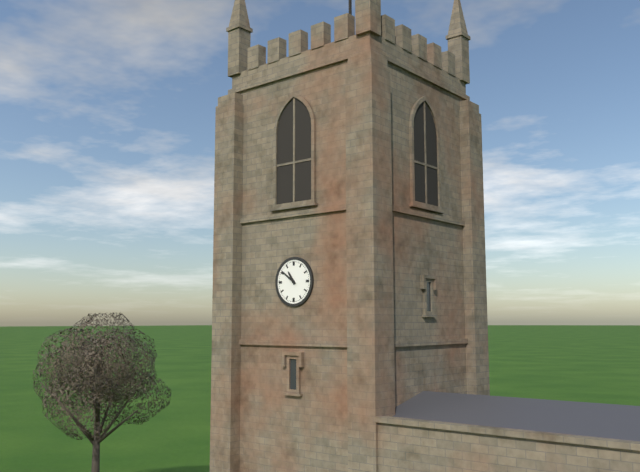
10:51
